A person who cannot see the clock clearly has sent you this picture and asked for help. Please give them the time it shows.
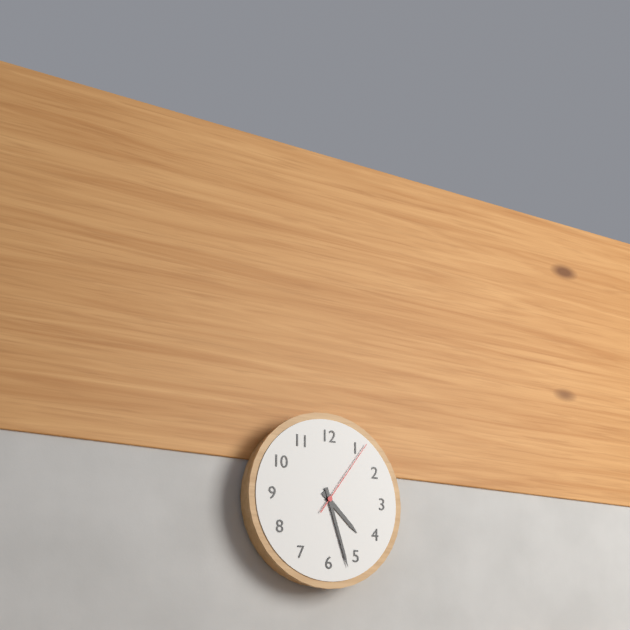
4:27:06
